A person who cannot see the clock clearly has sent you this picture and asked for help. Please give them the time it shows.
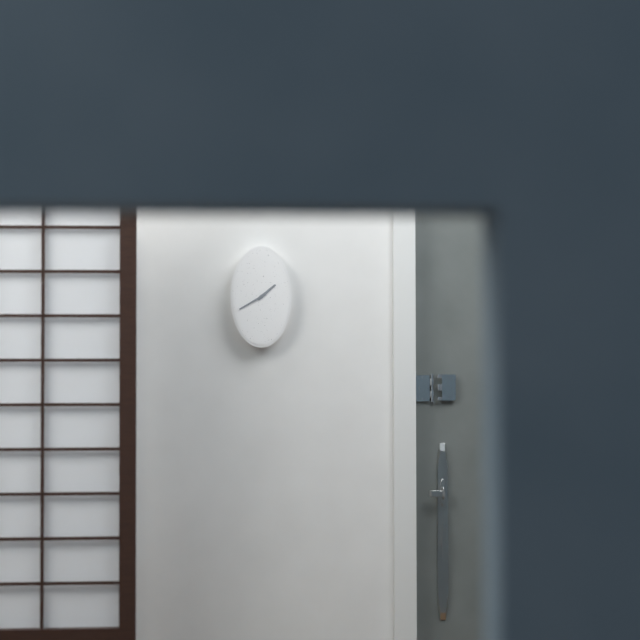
1:40
